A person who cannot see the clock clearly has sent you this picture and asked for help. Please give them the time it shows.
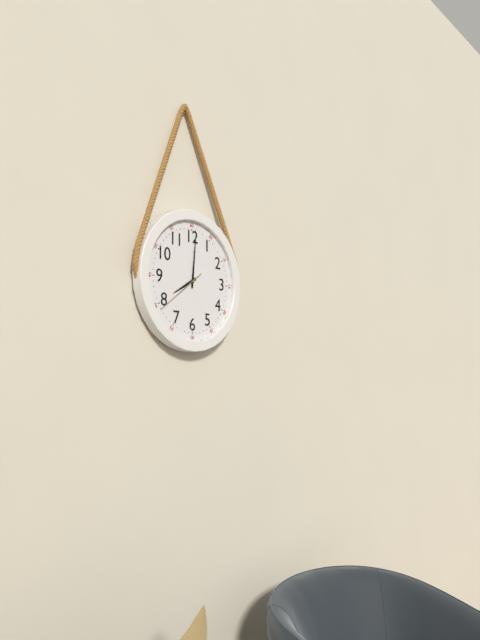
8:01:39
